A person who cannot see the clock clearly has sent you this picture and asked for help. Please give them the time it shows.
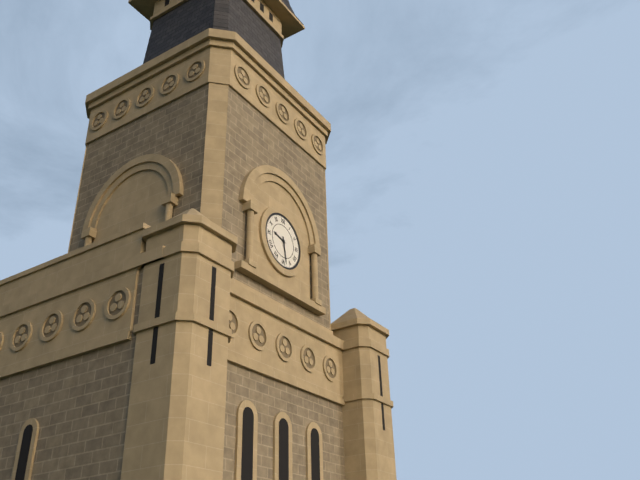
9:28
